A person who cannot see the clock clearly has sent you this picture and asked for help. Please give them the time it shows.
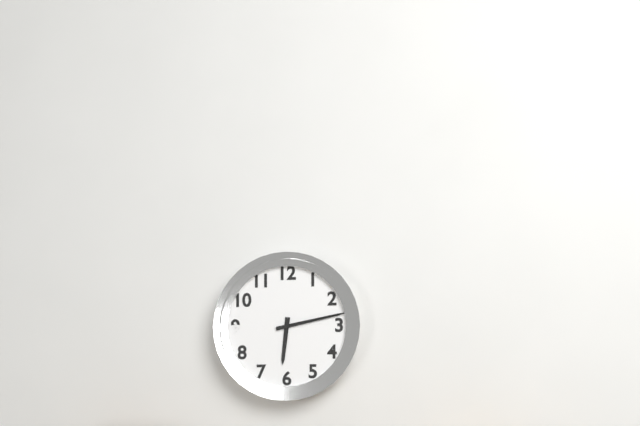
6:13
